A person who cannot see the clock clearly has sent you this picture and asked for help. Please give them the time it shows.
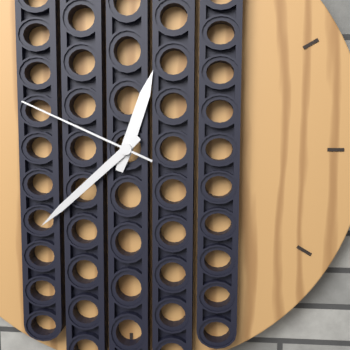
12:38:49
